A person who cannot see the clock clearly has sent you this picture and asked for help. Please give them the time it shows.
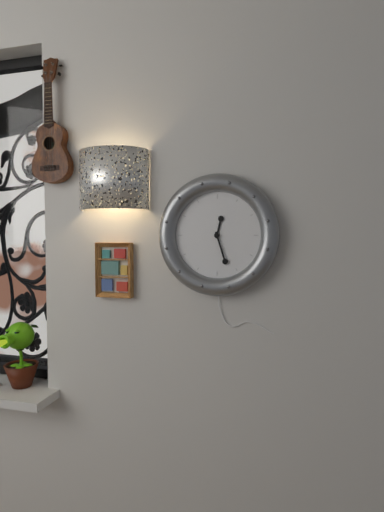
12:27
